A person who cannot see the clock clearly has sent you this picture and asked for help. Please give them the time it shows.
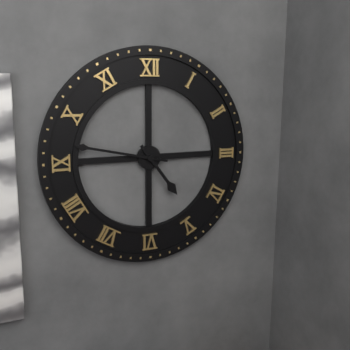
4:47
